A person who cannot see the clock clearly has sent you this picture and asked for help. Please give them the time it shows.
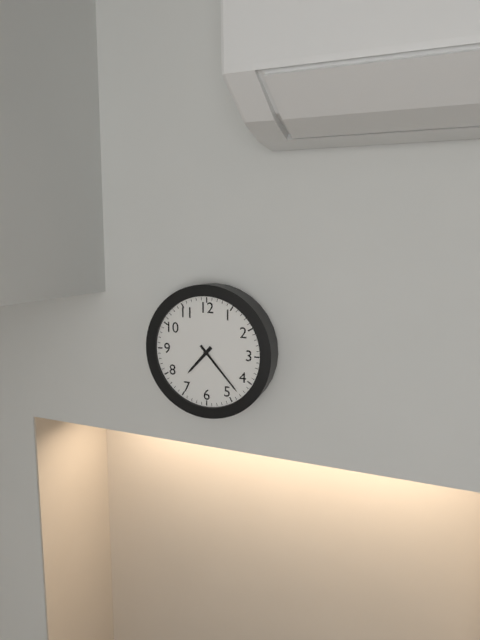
7:23
